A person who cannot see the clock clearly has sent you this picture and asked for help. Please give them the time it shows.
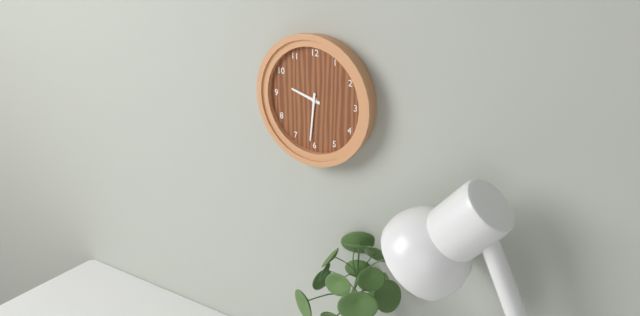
9:31
